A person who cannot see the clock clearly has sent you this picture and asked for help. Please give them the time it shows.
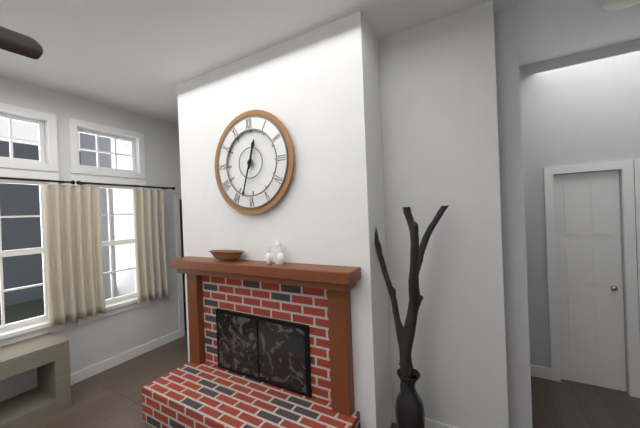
12:33
